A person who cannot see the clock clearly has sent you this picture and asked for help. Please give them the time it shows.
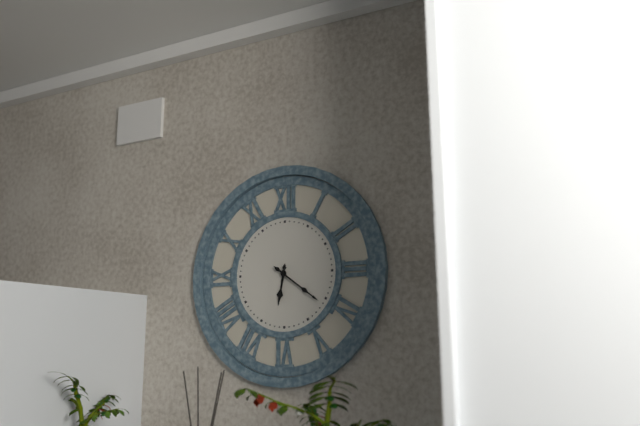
6:21
